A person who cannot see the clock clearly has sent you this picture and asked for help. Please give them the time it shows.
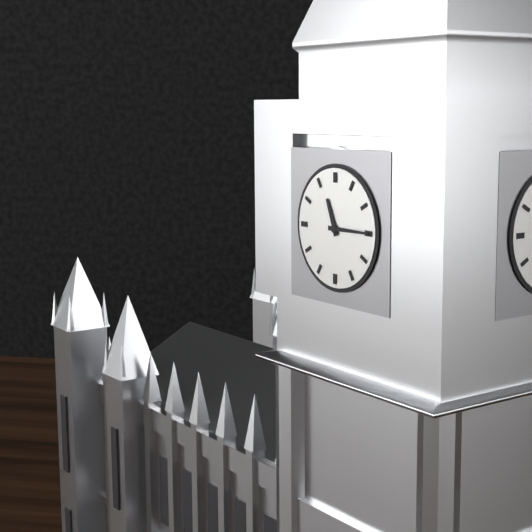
11:15
